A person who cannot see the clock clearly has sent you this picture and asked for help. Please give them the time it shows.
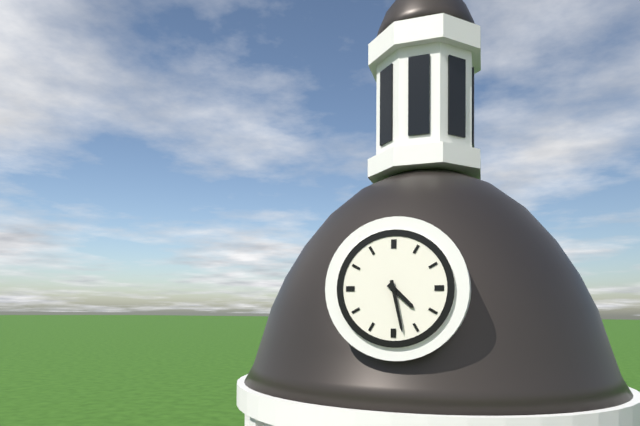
4:28
